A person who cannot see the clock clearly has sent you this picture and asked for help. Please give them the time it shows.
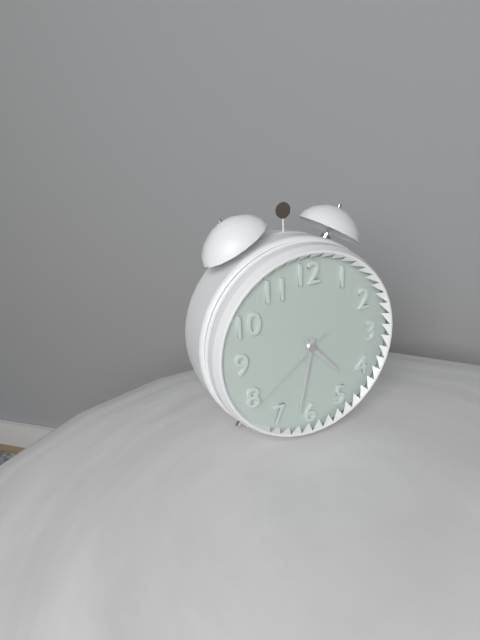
4:32:39
